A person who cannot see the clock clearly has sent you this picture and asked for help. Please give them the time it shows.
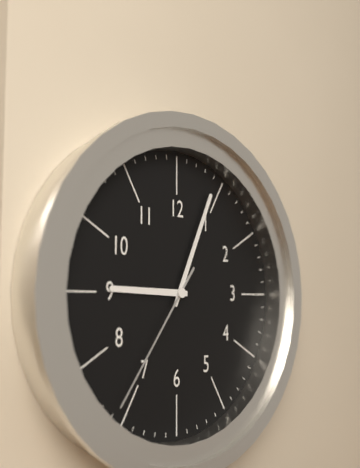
9:04:36
